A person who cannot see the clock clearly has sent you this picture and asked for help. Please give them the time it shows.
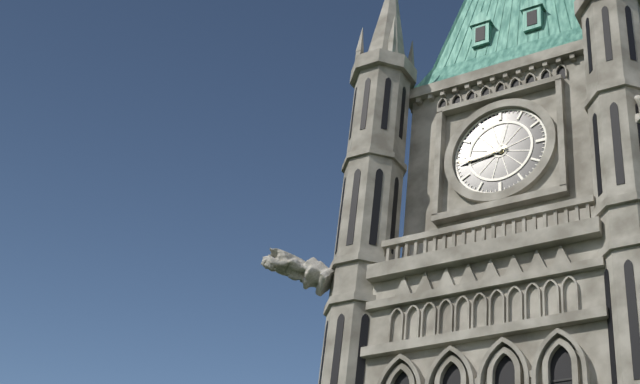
10:44
